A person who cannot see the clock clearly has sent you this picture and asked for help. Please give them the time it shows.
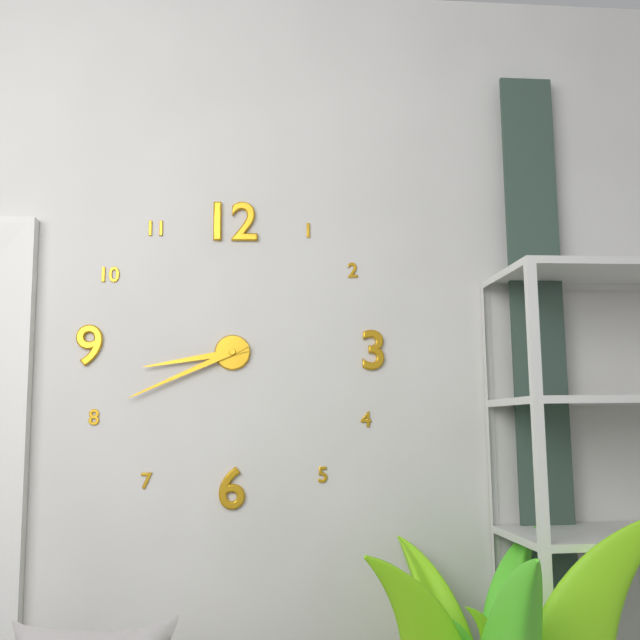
8:41
